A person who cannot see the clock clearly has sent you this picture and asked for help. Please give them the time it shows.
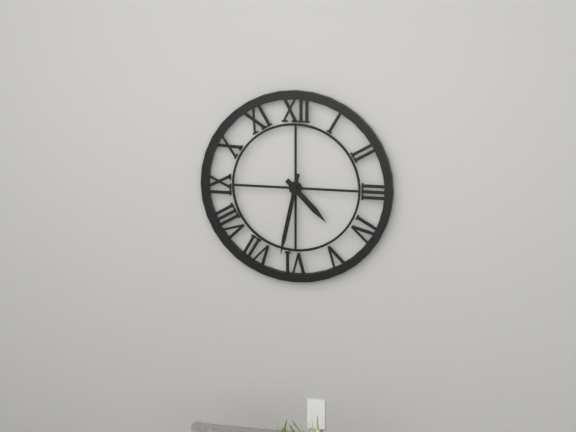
4:32
